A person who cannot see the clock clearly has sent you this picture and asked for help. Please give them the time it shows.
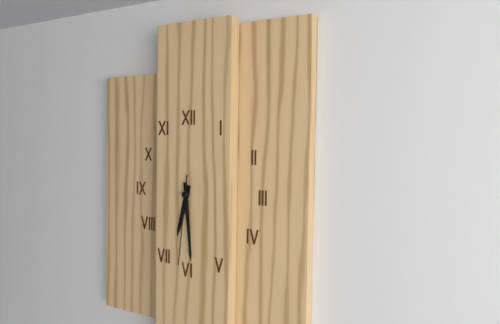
6:29:31
